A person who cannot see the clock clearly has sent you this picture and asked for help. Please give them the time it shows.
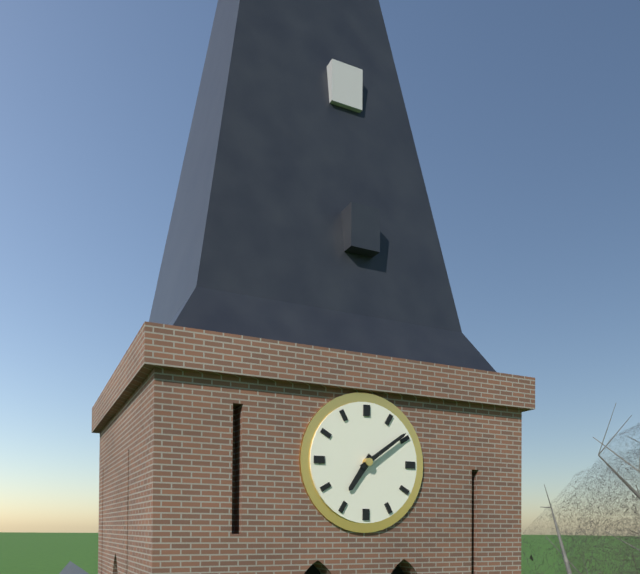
7:09
